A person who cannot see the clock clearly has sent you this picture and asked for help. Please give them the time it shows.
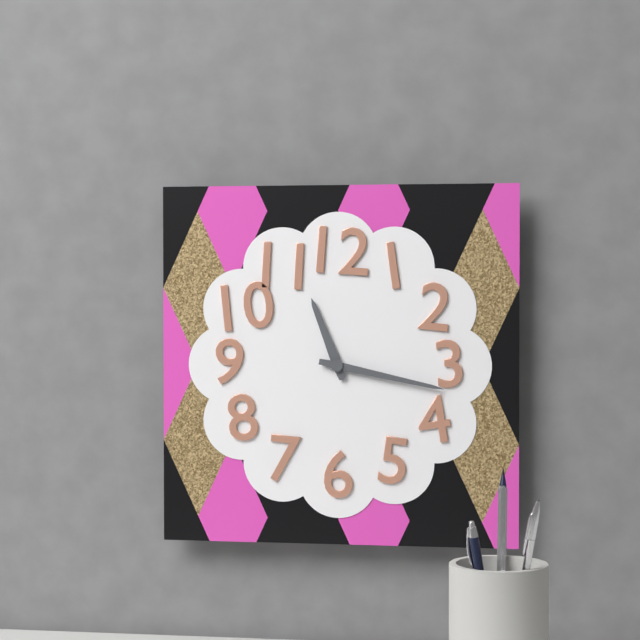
11:17
